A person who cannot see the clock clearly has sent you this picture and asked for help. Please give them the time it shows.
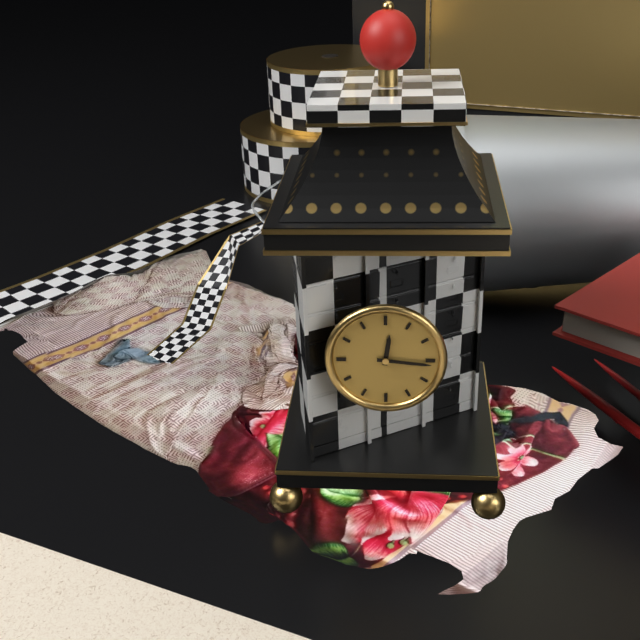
12:16
